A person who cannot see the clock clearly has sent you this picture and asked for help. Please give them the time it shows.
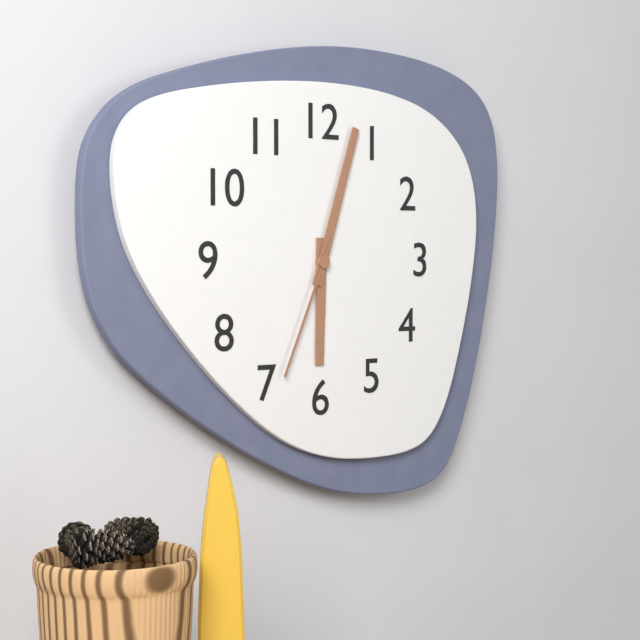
6:03:34
